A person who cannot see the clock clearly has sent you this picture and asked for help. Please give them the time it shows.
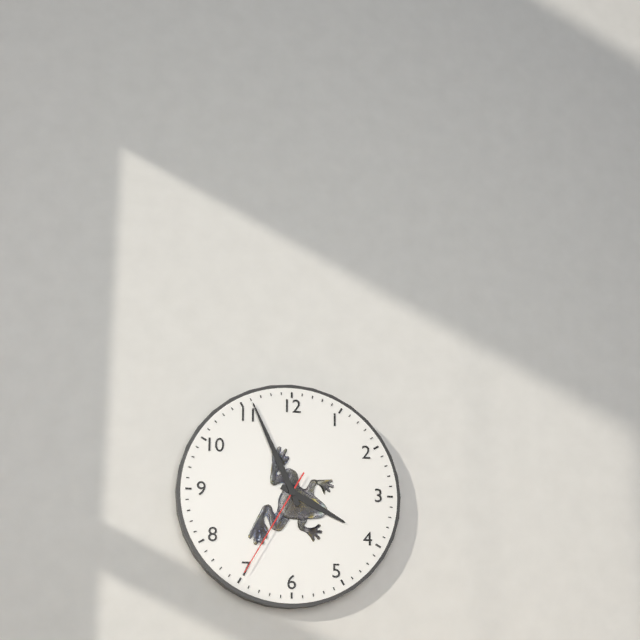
3:56:35
